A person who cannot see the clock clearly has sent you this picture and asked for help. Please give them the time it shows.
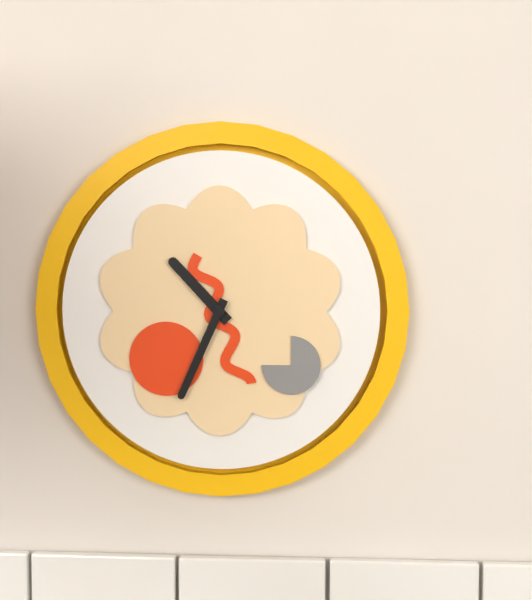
10:34
